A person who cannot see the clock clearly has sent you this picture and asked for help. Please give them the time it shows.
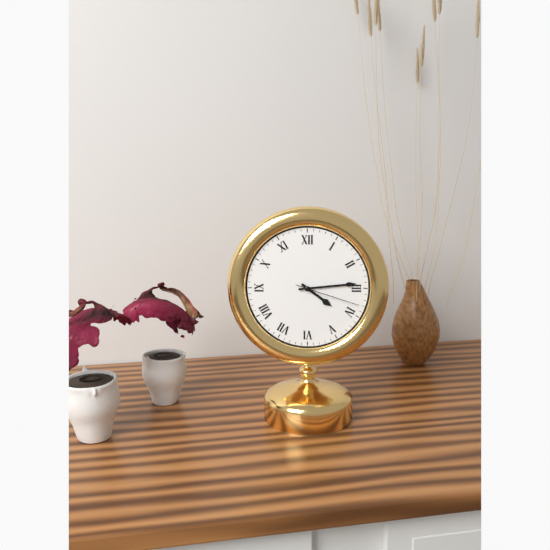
4:14:18
